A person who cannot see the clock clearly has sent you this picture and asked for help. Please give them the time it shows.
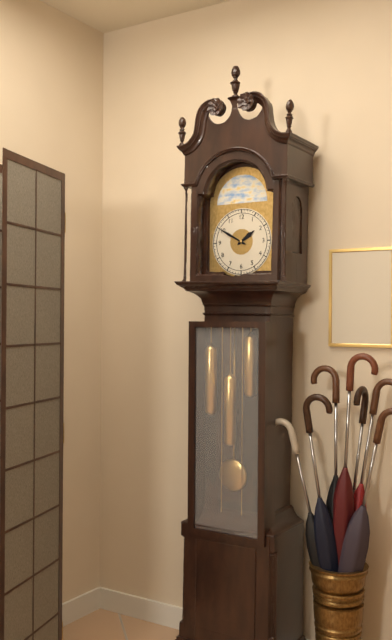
1:50
